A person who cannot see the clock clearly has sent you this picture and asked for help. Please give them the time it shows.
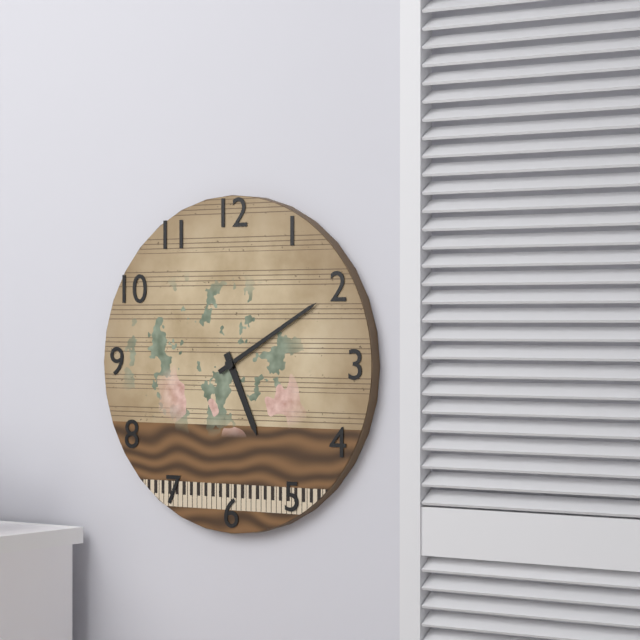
5:10
